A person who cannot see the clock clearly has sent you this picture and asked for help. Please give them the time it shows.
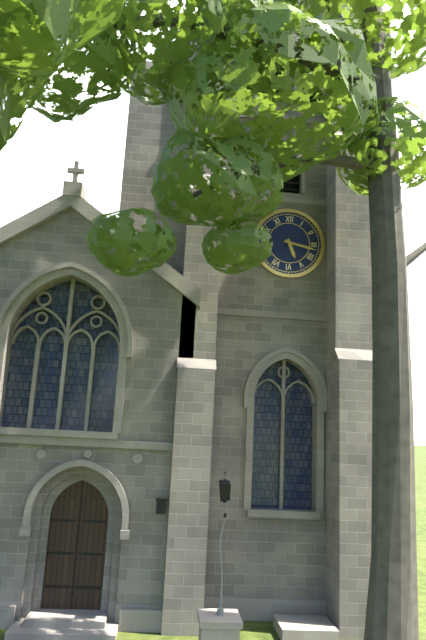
5:17
